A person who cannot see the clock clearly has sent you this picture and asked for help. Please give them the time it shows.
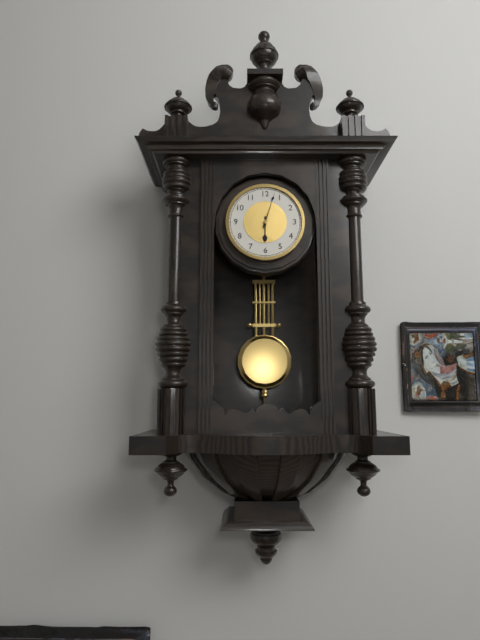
6:03
